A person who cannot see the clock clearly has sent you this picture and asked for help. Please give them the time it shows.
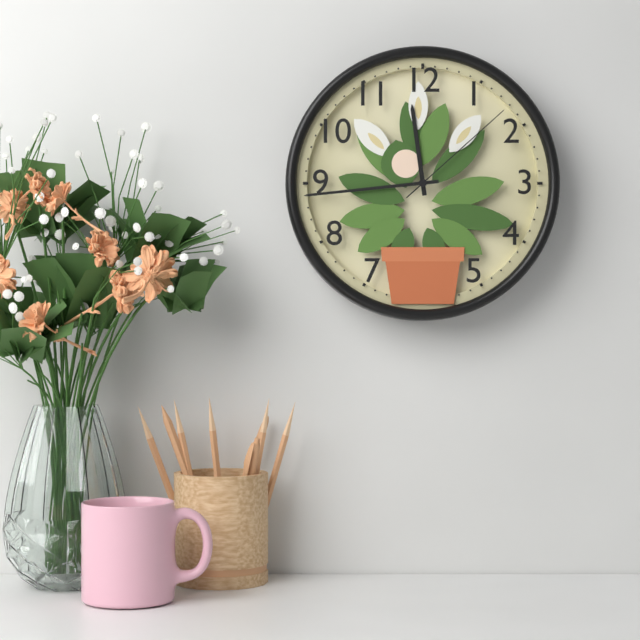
11:44:08
